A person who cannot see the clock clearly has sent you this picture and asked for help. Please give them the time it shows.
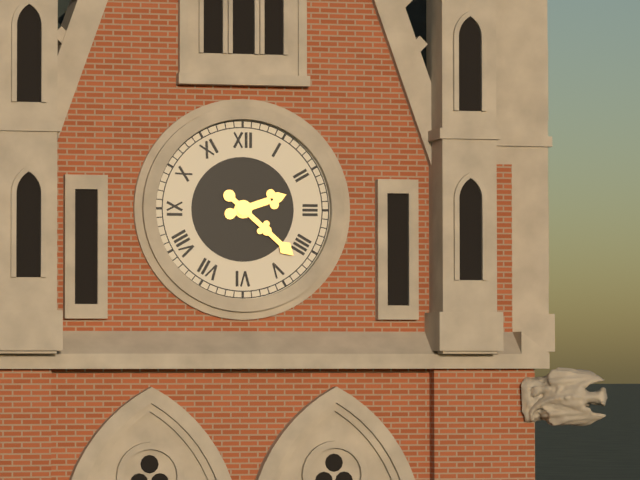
2:22
